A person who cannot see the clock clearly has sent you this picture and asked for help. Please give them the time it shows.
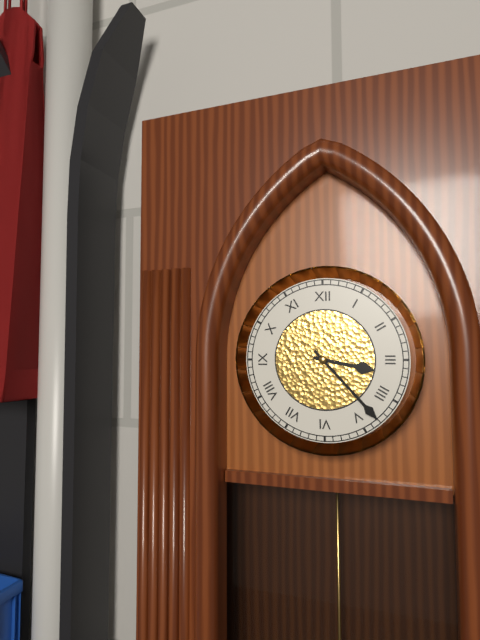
3:23
